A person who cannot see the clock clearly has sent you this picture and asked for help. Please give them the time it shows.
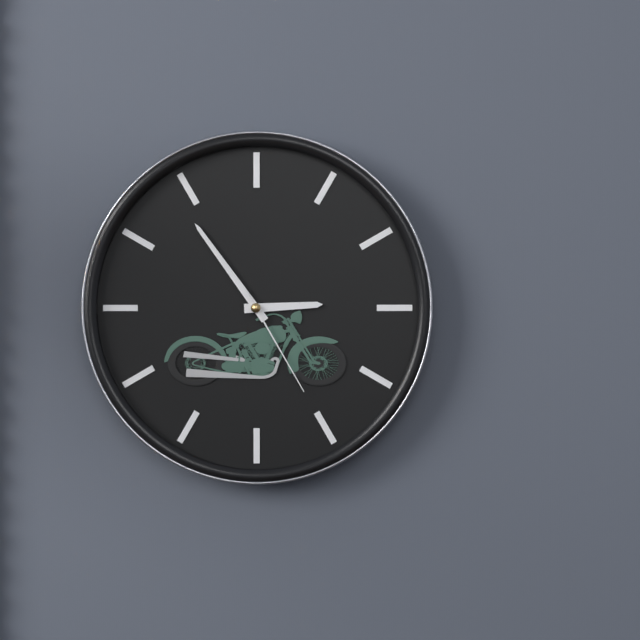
2:54:25
